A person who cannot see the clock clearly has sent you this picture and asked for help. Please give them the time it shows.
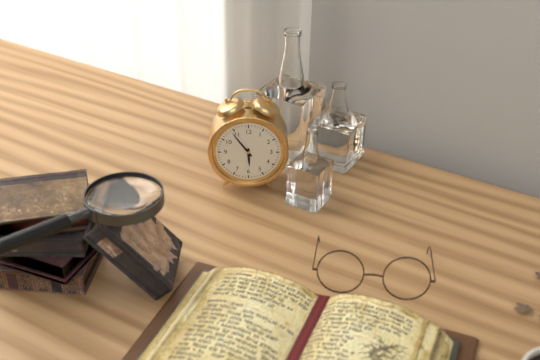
5:54
